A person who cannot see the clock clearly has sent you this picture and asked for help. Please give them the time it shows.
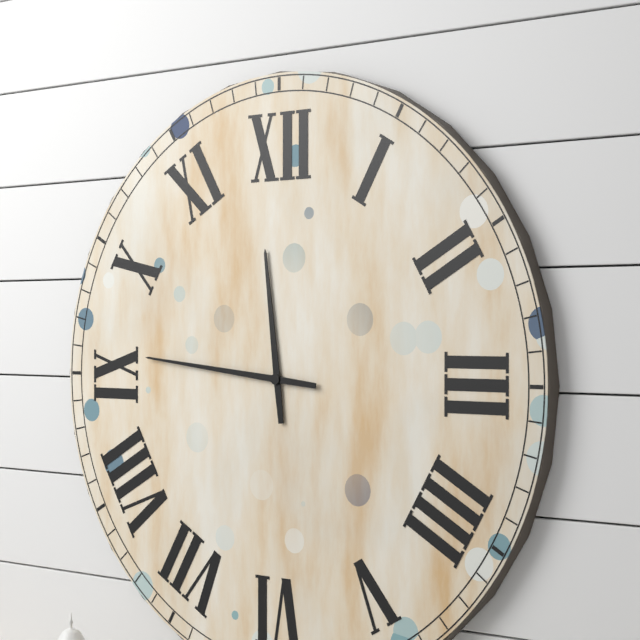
11:46
